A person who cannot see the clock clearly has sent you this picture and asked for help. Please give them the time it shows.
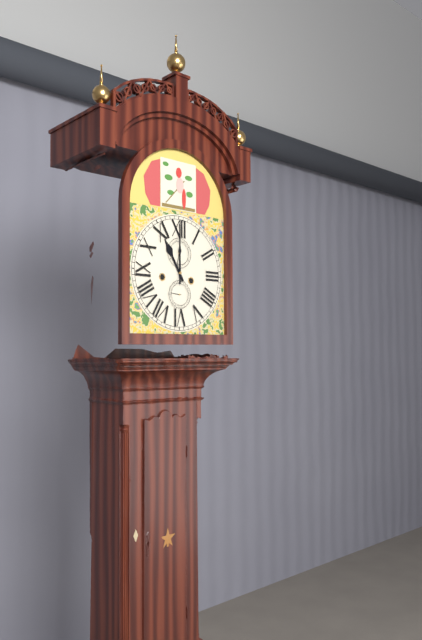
11:00
